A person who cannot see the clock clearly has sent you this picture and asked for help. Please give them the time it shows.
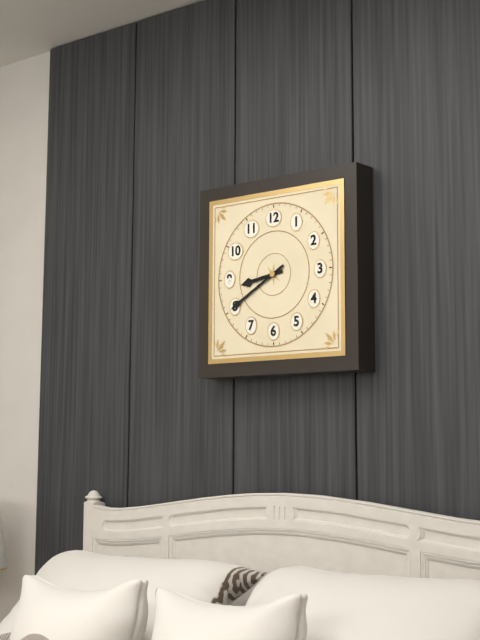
8:40
